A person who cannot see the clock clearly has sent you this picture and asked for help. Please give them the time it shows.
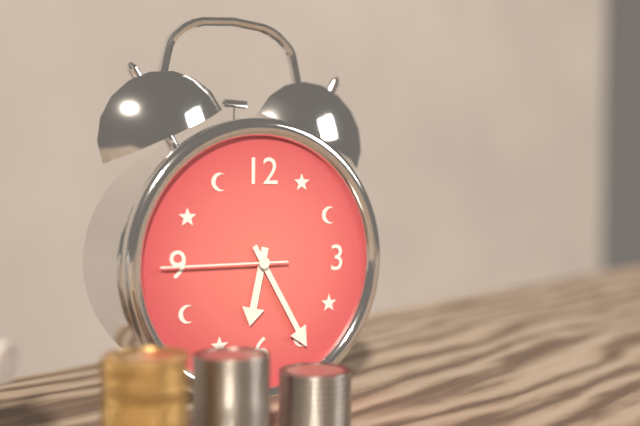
6:25:45
